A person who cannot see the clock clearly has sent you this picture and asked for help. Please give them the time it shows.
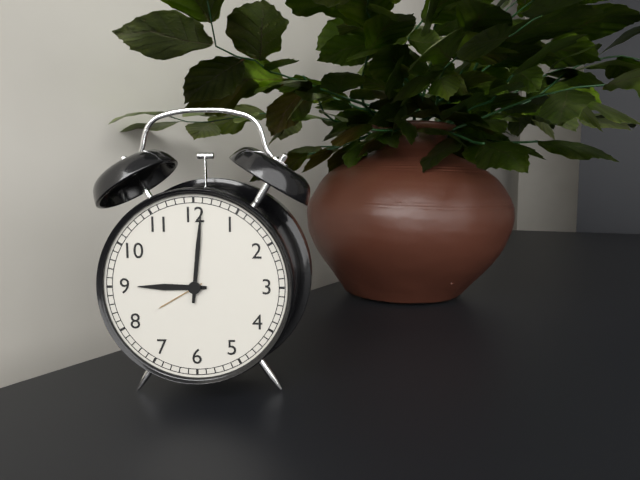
9:01
